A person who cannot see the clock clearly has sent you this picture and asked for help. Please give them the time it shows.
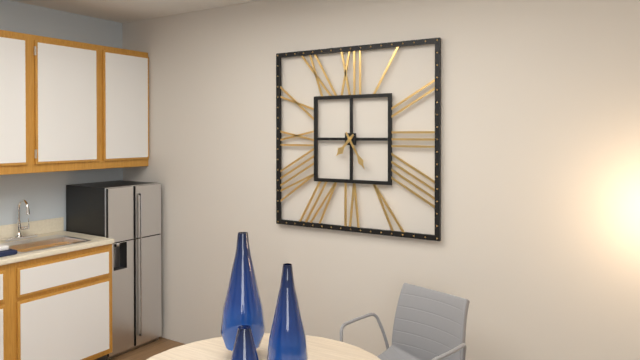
7:25
